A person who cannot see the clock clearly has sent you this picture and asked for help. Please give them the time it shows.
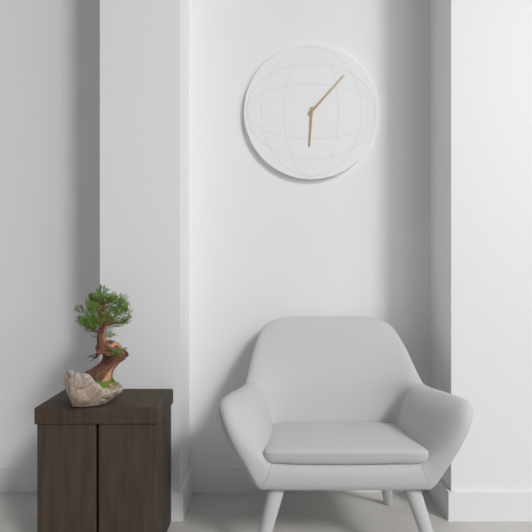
6:07
